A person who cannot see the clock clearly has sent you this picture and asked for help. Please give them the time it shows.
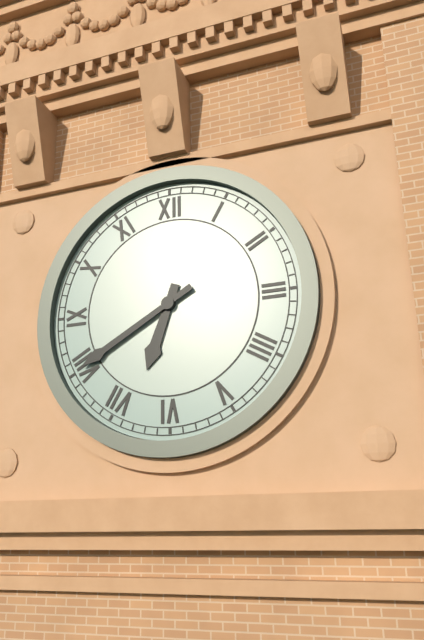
6:40
